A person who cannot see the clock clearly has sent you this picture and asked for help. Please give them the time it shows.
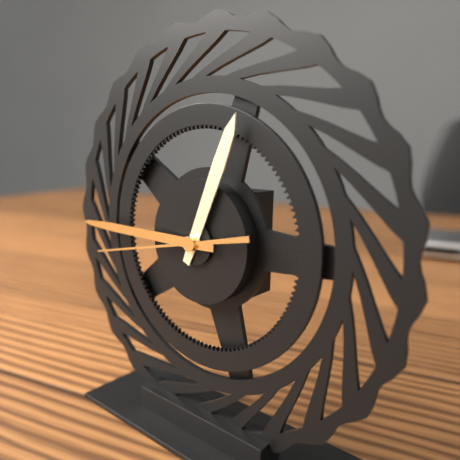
12:45:43
